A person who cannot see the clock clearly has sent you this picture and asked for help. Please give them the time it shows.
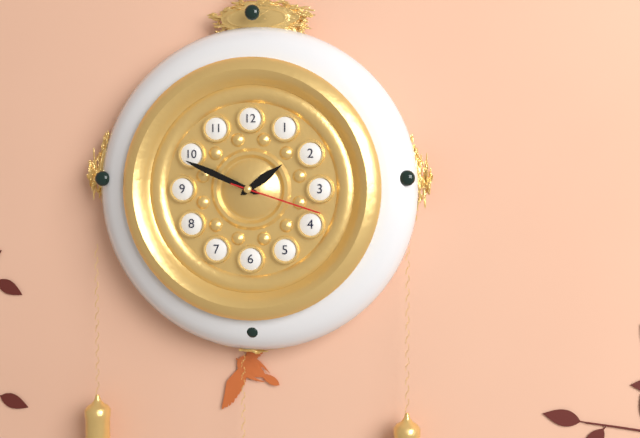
1:49:18
